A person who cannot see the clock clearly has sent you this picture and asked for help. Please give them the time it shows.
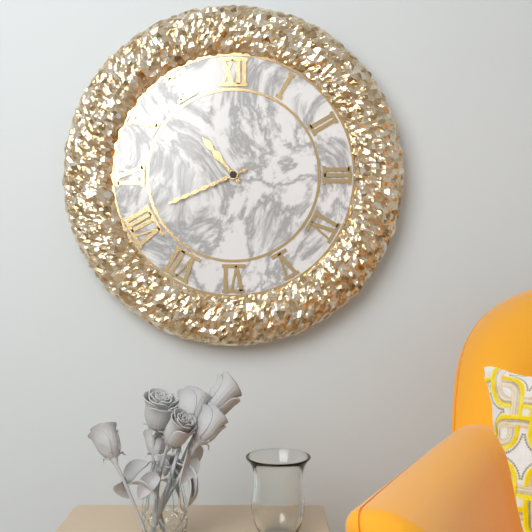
10:41
